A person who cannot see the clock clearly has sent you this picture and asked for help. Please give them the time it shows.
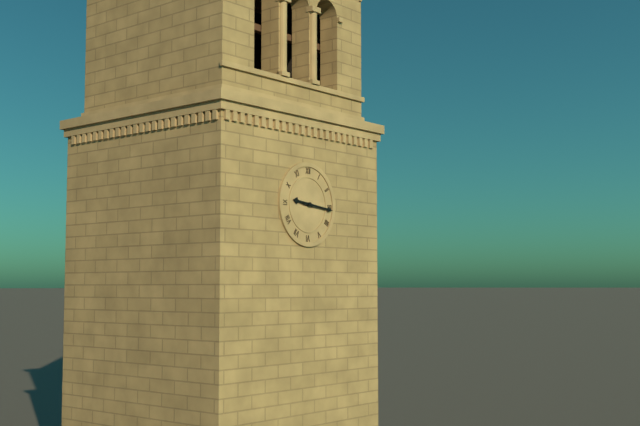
9:16
